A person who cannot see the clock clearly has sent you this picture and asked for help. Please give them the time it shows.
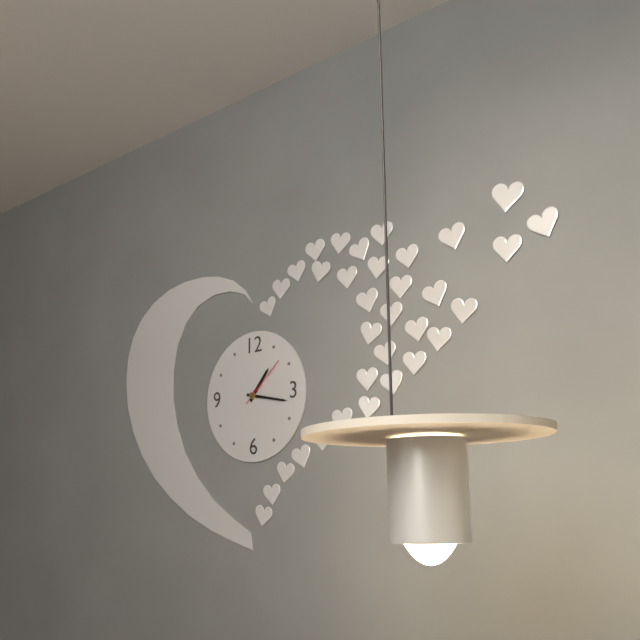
1:17:08
